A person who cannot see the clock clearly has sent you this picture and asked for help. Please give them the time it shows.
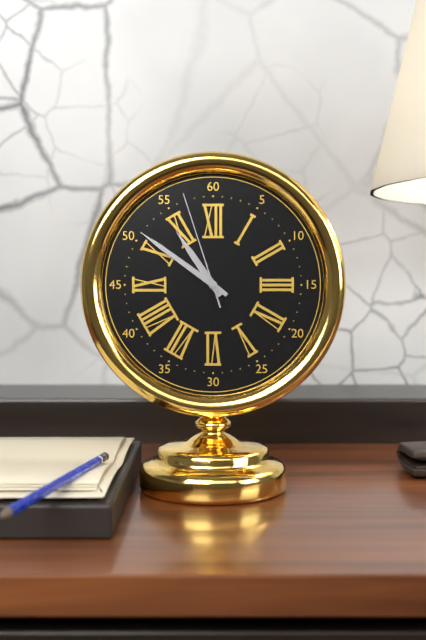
10:51:57
